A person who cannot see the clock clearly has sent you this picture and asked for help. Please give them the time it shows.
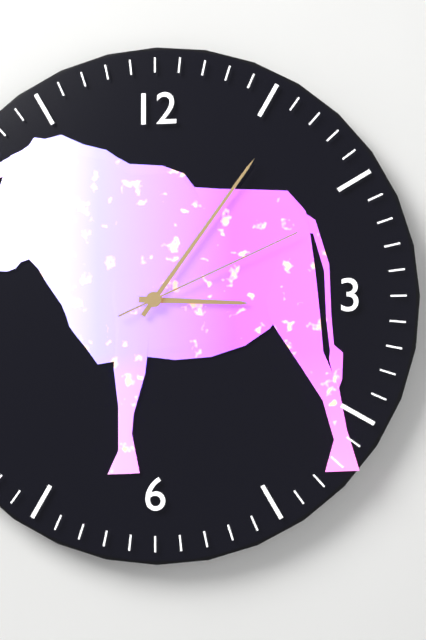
3:06:11
